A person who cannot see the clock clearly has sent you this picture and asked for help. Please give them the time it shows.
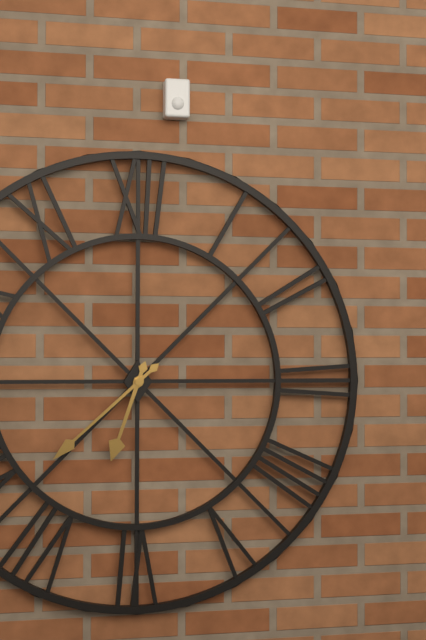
6:38
